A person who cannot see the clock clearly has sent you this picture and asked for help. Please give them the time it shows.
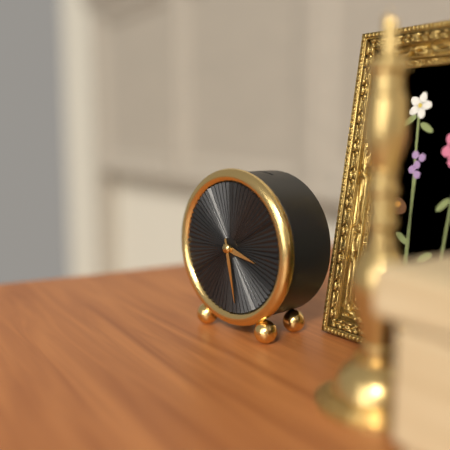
3:28
